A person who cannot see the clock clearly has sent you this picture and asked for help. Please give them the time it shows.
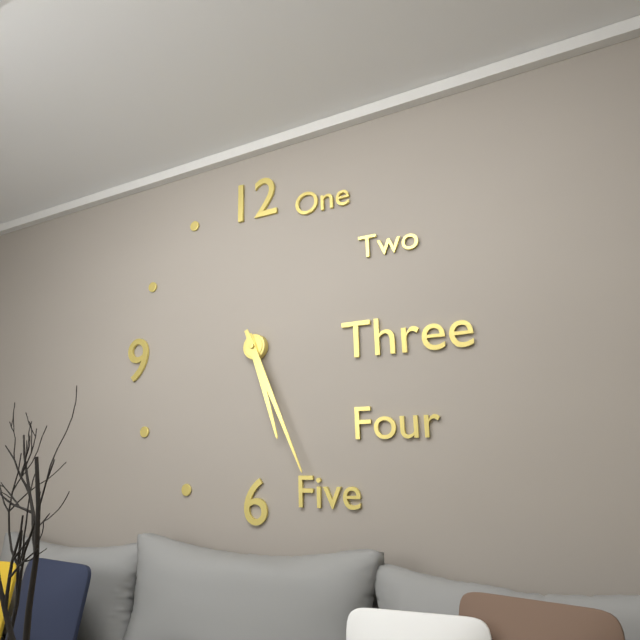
5:26
